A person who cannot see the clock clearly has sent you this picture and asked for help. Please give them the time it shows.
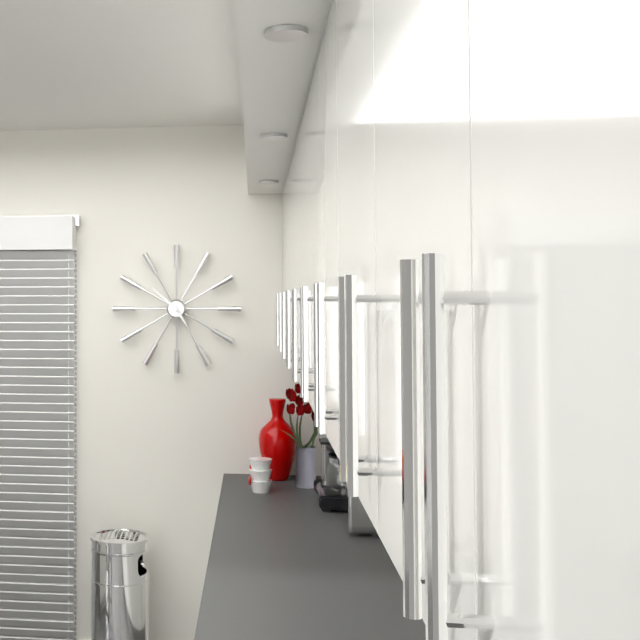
4:52
